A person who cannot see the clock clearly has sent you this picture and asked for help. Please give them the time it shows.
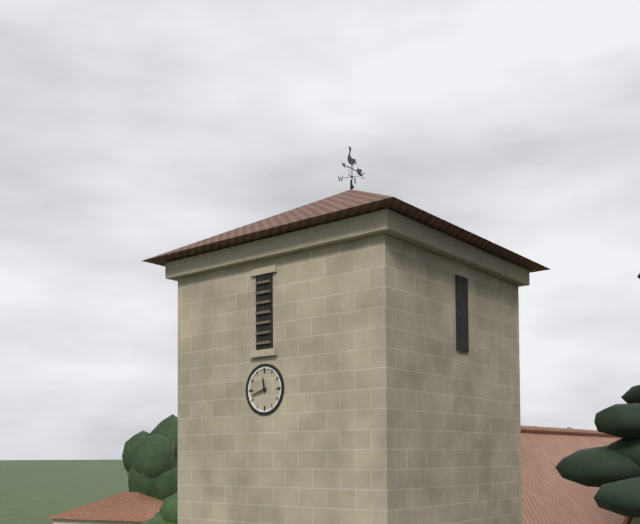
11:42
